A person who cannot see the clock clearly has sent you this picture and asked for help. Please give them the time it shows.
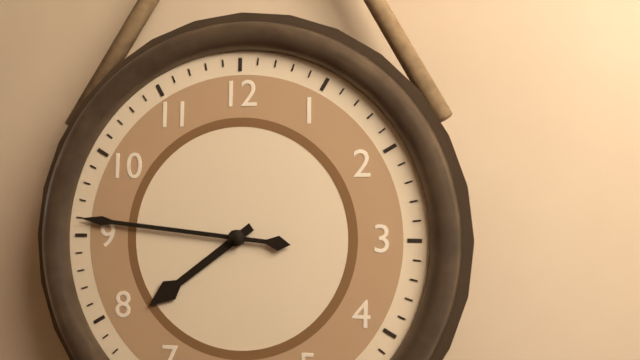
7:46
